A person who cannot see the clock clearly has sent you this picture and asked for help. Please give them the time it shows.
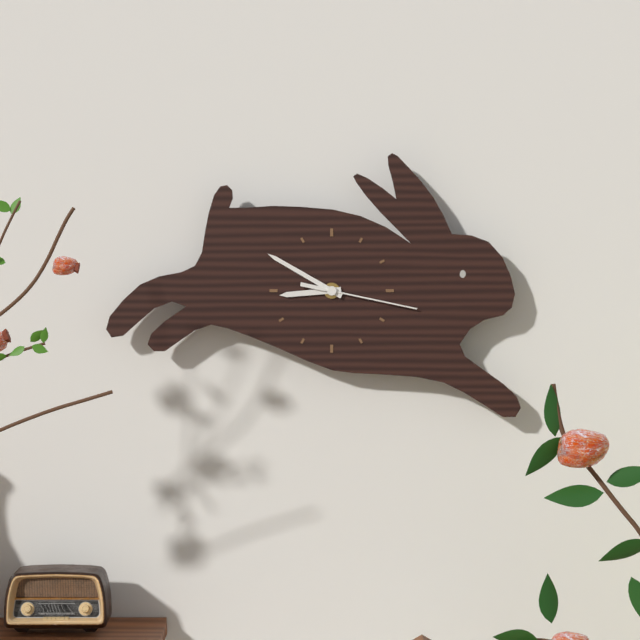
8:50:17
